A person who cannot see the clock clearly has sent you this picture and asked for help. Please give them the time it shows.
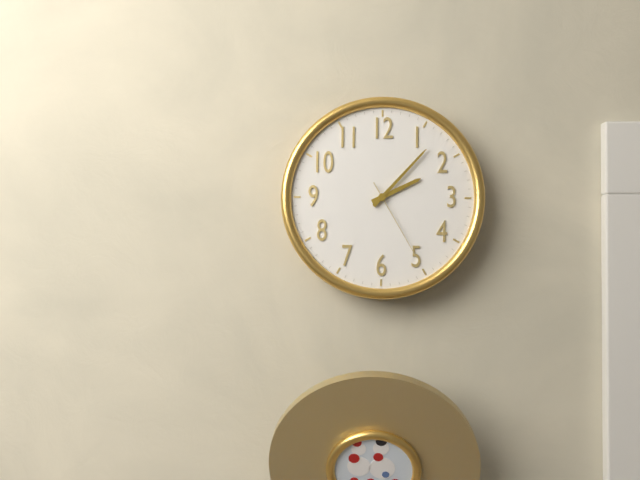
2:07:25
